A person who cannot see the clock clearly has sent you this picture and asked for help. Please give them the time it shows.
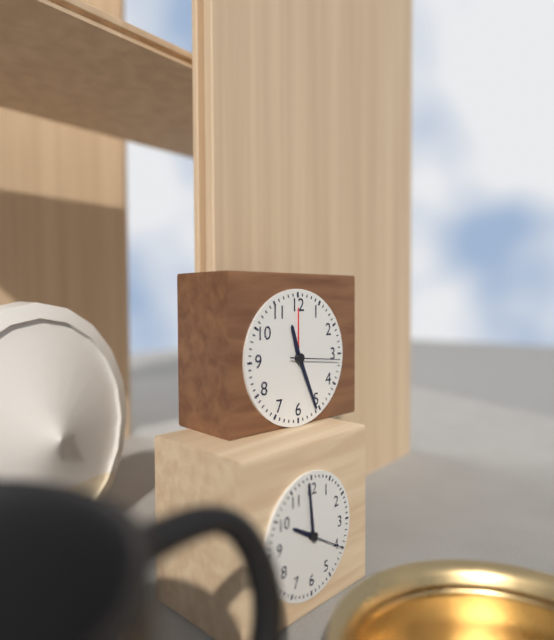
11:26
